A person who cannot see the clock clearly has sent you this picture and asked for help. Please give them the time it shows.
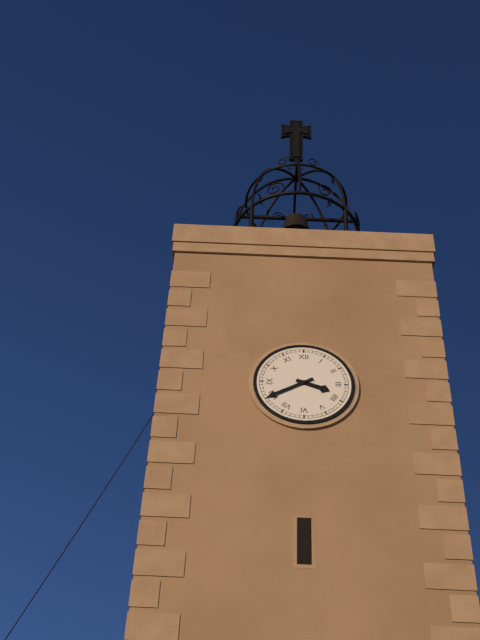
3:40
